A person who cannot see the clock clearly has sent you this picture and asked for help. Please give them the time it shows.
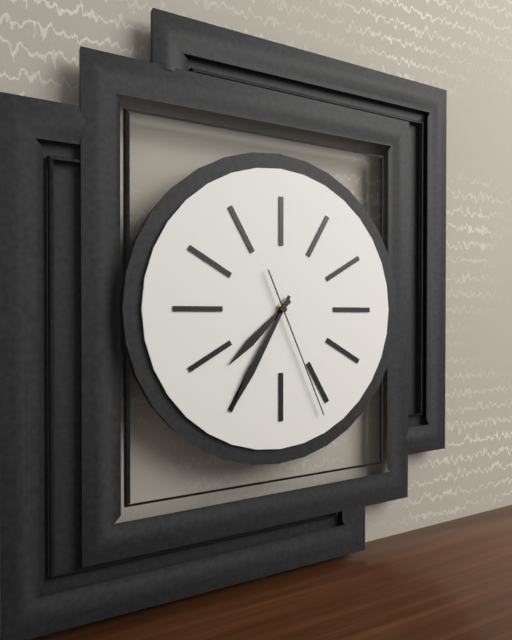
7:35:26
